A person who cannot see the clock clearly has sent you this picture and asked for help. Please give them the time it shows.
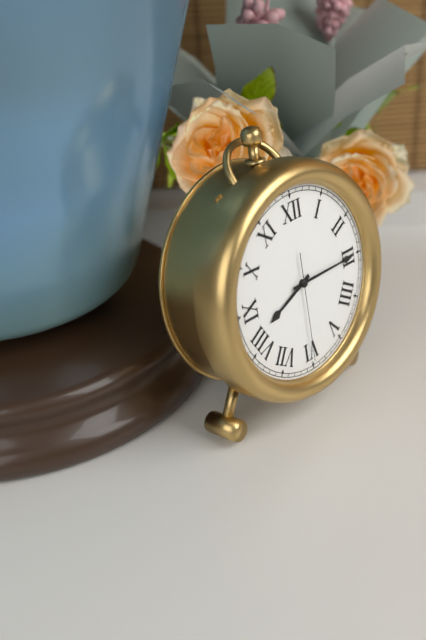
8:15:30
